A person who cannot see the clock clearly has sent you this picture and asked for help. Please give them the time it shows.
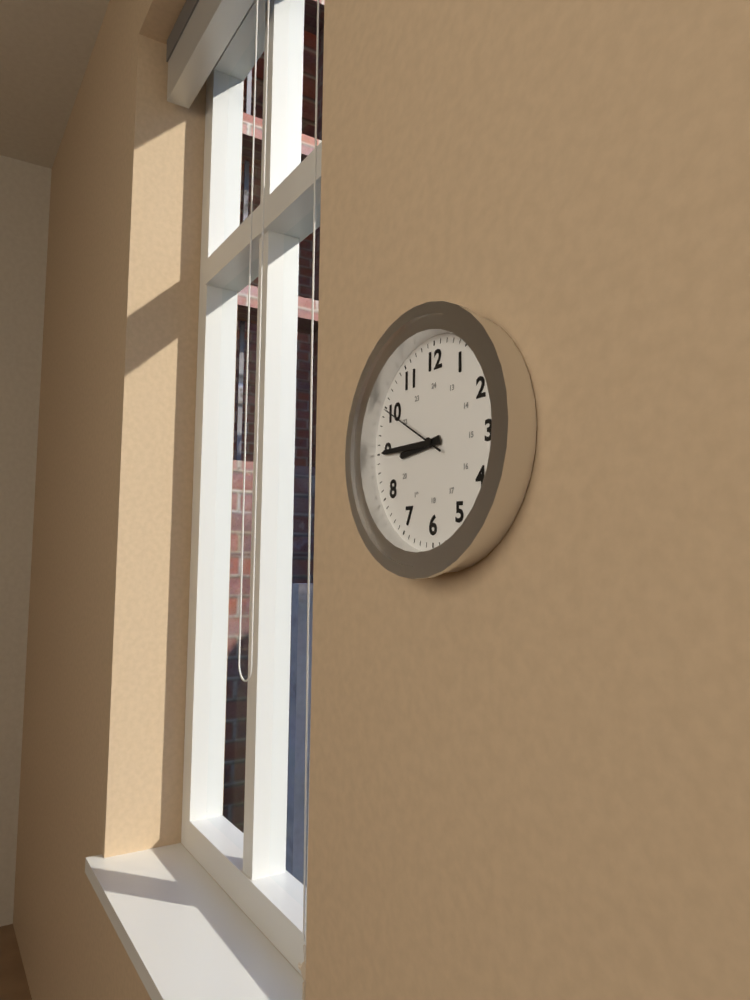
8:45:50
